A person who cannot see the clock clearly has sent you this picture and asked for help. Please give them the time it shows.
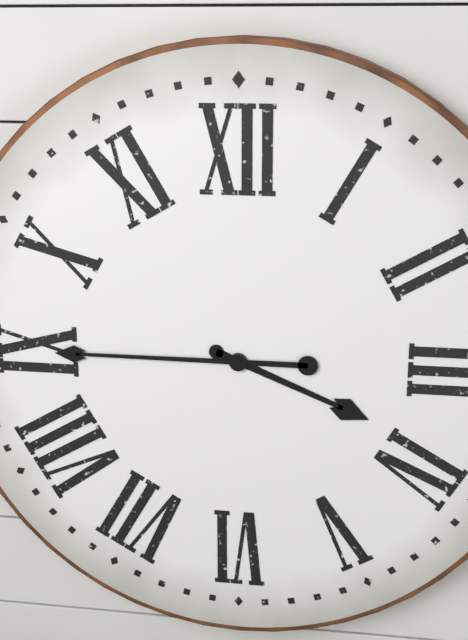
3:45
